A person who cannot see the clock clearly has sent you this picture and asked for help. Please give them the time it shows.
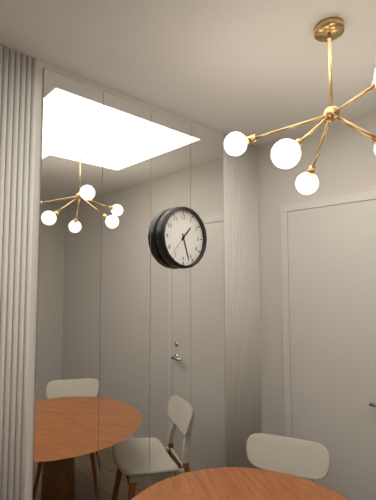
1:27
